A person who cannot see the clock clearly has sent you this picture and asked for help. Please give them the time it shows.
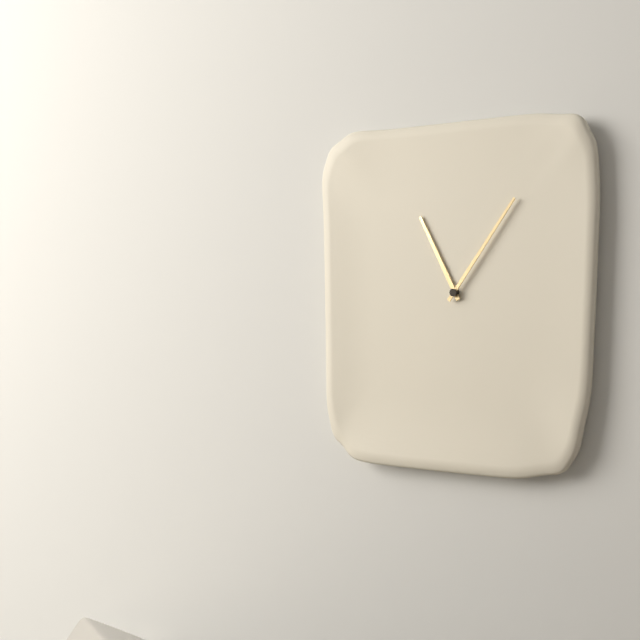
11:06
